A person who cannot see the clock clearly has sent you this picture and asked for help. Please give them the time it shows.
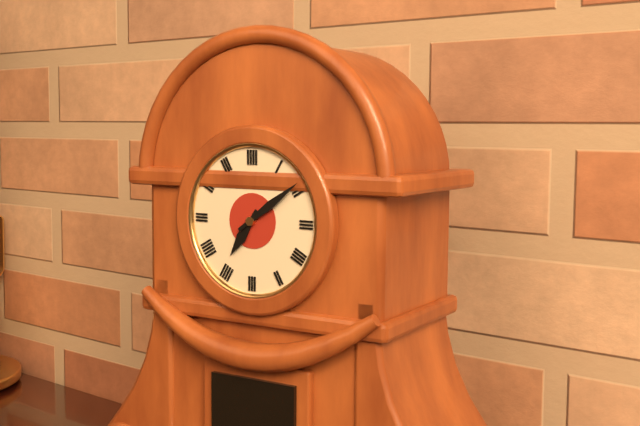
7:09
